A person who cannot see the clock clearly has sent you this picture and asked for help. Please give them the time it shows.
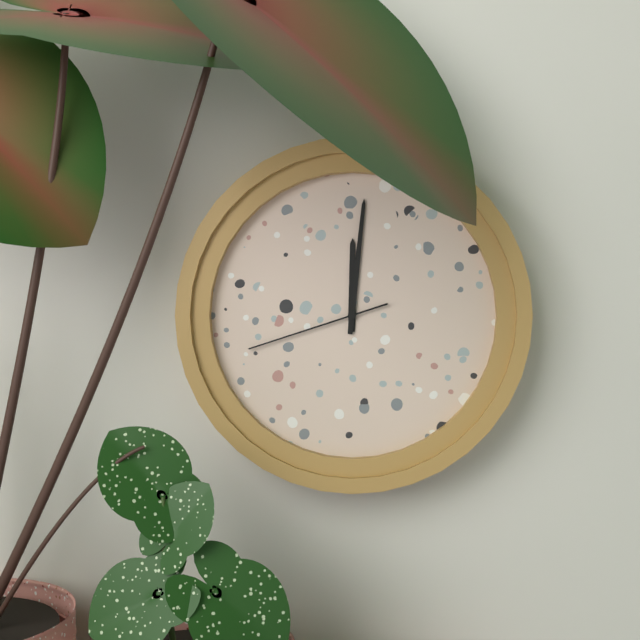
12:01:42
